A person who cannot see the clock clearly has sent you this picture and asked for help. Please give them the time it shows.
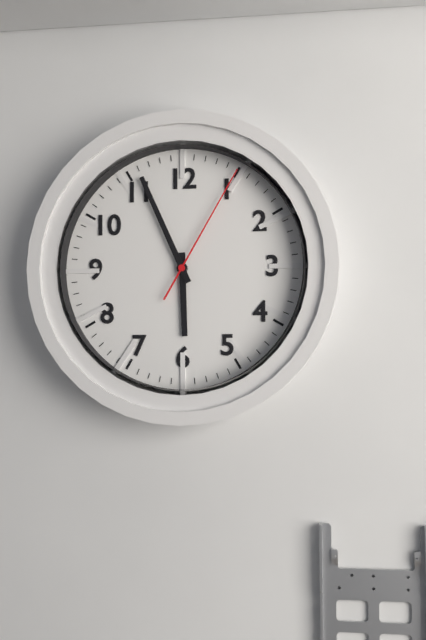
5:56:05
